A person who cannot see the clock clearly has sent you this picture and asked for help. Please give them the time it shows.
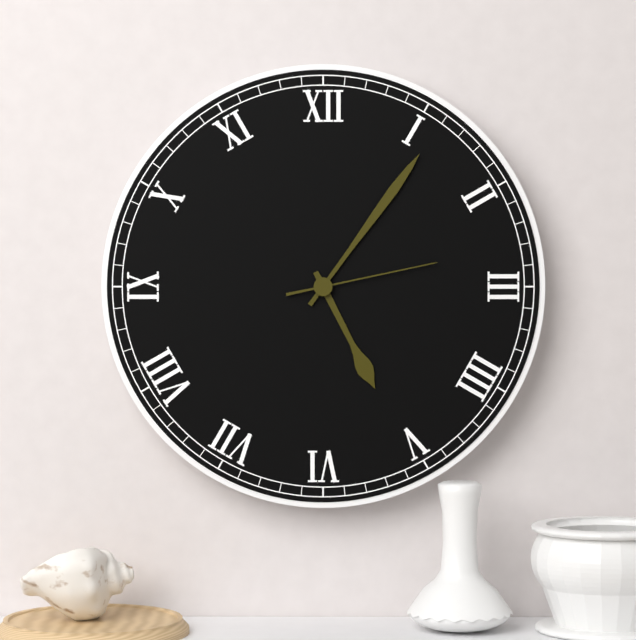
5:06:13
